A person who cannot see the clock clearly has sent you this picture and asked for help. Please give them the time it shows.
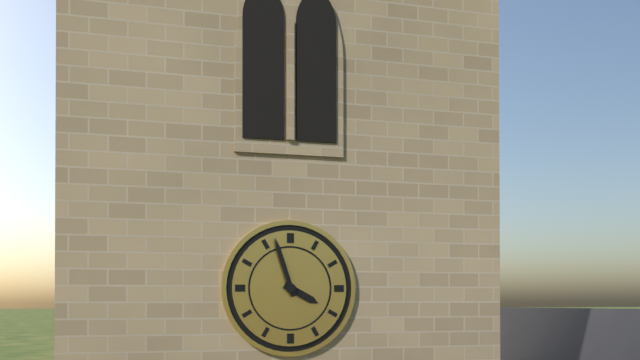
3:57
